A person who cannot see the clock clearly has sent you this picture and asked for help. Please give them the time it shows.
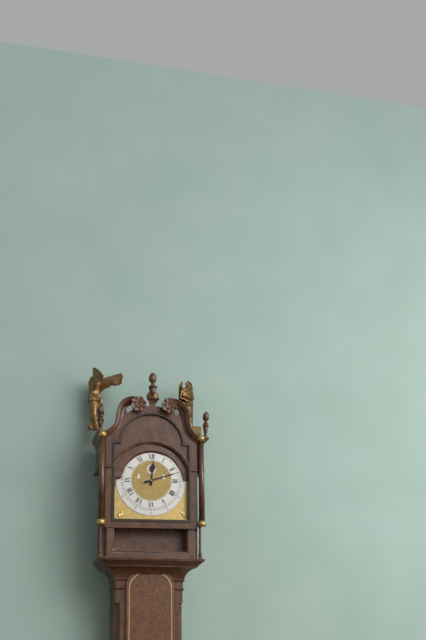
12:12
